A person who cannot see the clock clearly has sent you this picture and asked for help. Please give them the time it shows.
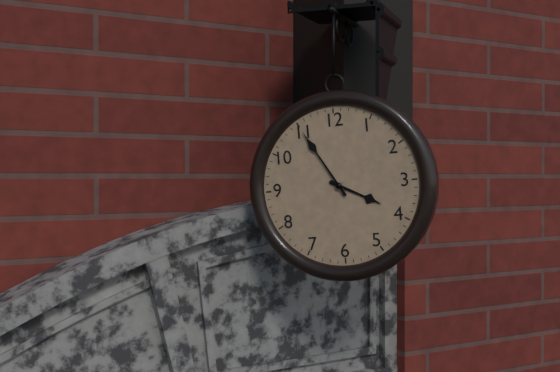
3:55
